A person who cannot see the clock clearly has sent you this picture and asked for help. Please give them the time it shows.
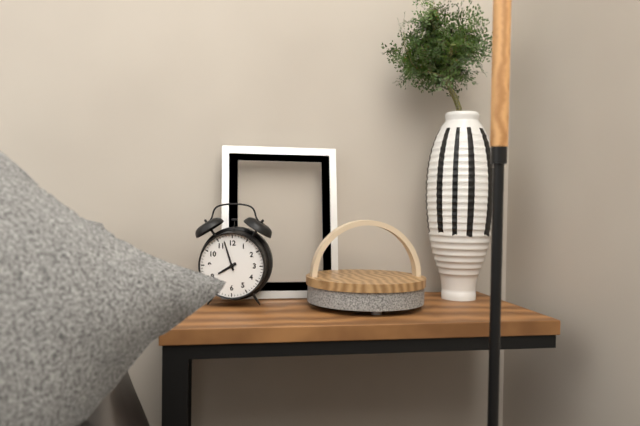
7:57
